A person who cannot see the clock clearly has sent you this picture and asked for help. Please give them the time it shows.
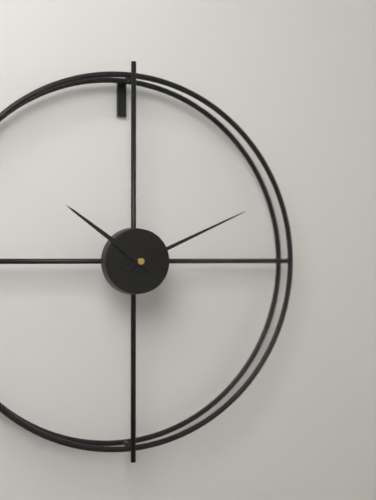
10:11
